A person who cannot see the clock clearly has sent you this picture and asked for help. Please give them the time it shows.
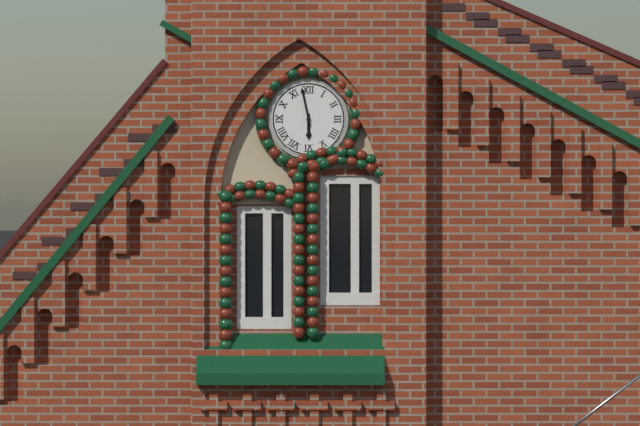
5:58
